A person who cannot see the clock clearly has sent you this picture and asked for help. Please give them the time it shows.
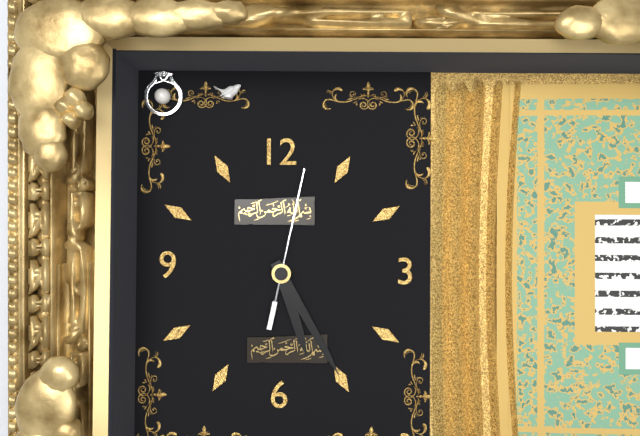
5:25:02
